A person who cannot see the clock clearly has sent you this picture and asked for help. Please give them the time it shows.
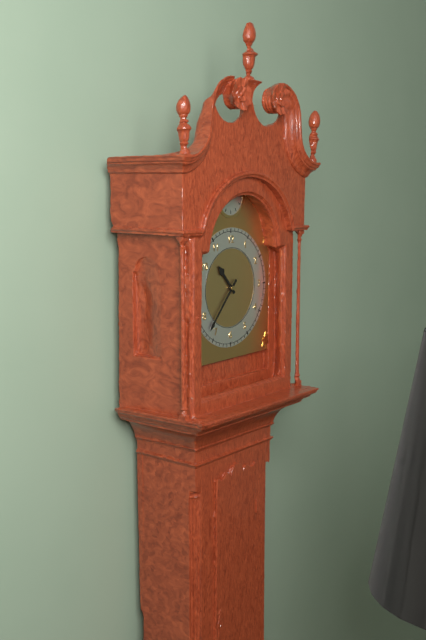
10:37
